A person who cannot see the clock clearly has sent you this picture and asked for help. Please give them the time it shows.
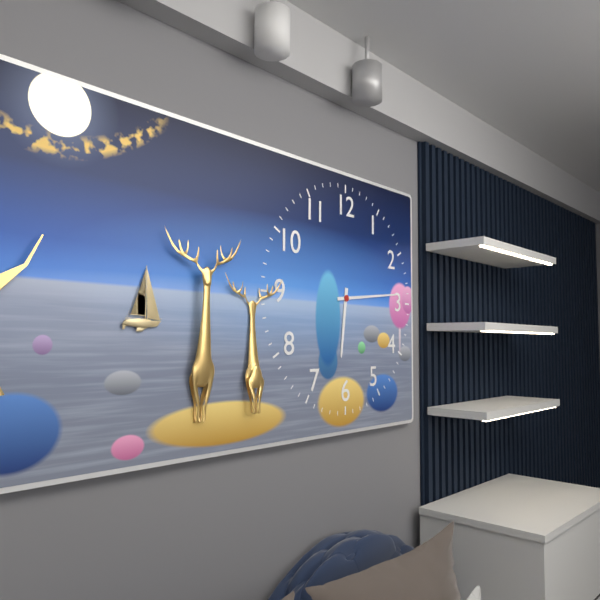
6:14
